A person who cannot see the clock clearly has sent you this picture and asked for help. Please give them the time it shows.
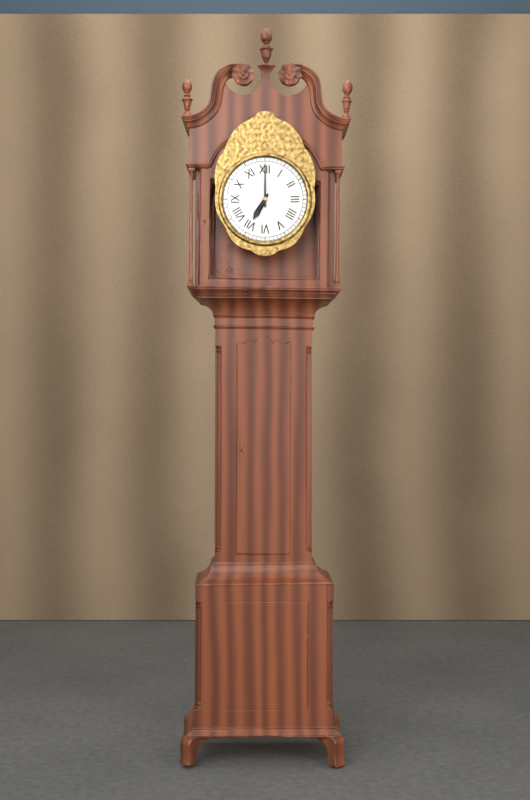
7:00
